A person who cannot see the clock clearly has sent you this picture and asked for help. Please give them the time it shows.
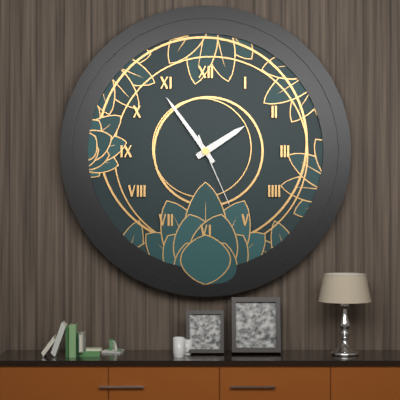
1:54:26
